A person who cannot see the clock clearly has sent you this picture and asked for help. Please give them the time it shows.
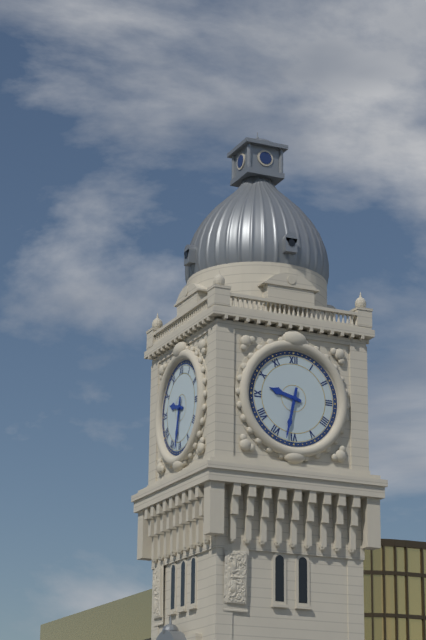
9:32
